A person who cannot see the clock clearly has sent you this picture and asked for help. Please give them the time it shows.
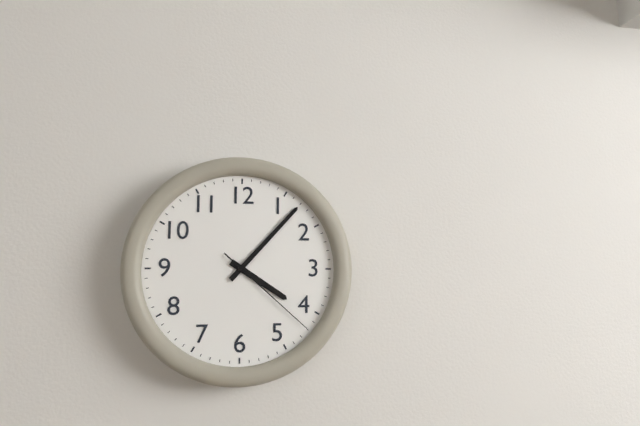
4:07:22
